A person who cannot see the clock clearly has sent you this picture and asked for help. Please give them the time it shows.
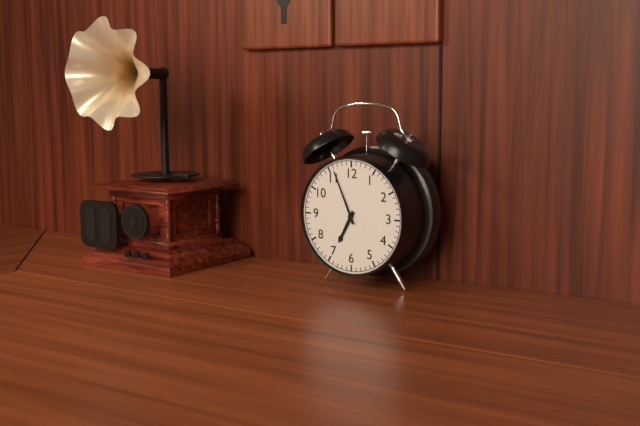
6:56
